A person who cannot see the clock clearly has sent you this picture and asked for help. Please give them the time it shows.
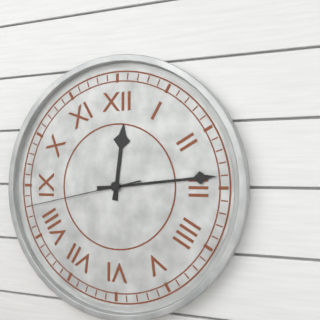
12:14:43
